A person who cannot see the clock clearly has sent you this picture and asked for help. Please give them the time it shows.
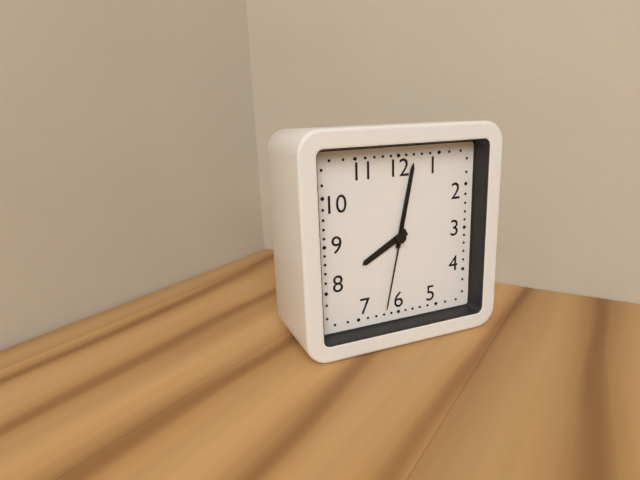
8:02:32
